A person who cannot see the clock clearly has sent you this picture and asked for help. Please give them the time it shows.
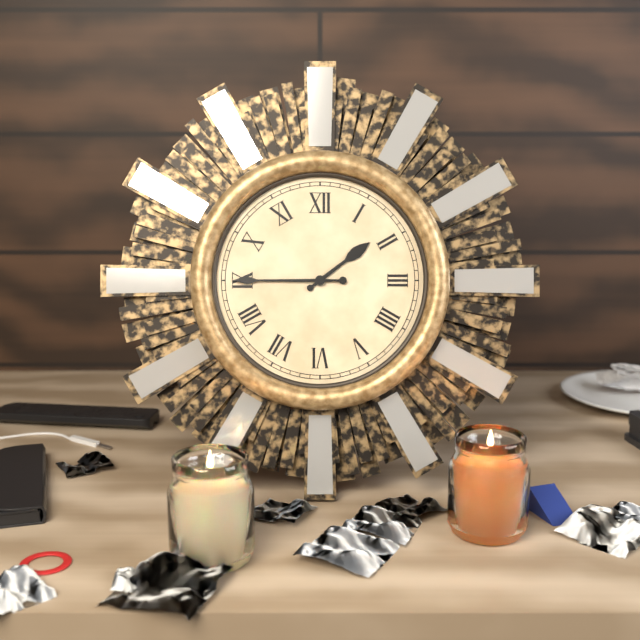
1:45
